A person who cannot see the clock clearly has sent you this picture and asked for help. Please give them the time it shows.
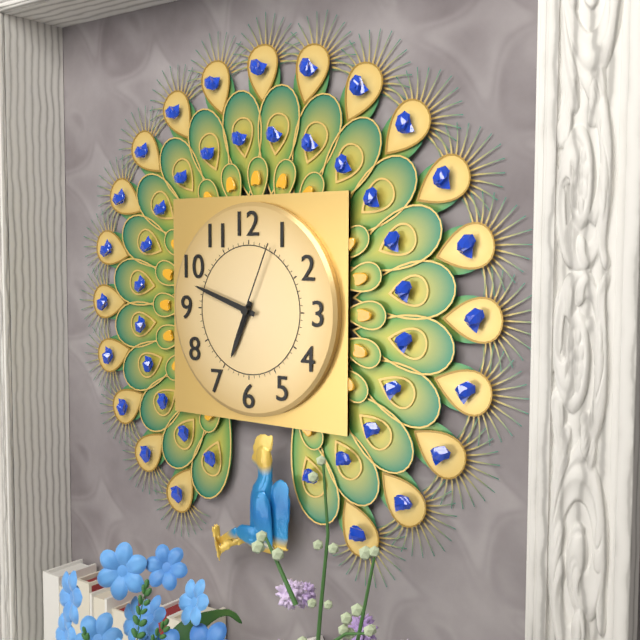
6:48:04
